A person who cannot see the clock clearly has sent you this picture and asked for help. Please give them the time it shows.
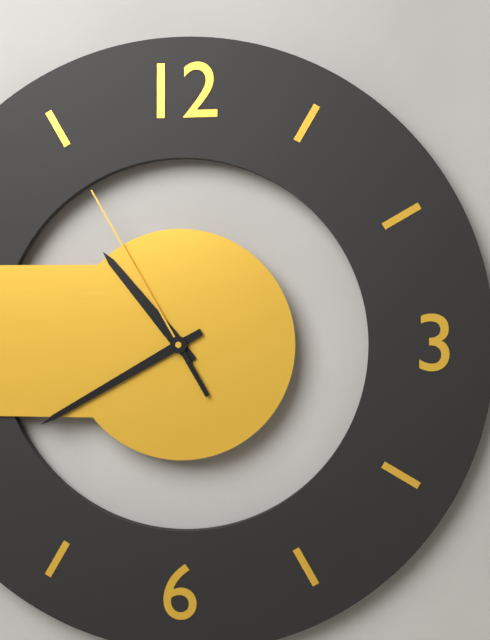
10:40:55
